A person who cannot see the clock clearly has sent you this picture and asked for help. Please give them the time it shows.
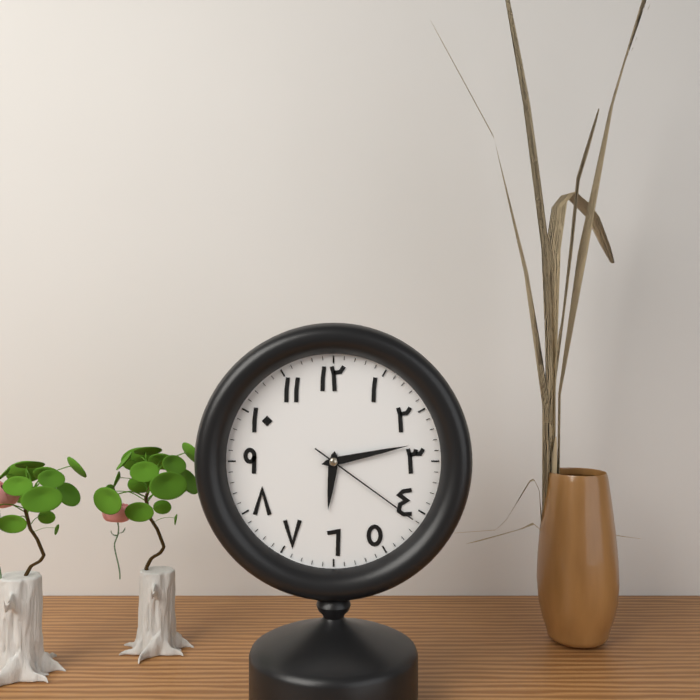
6:13:21
